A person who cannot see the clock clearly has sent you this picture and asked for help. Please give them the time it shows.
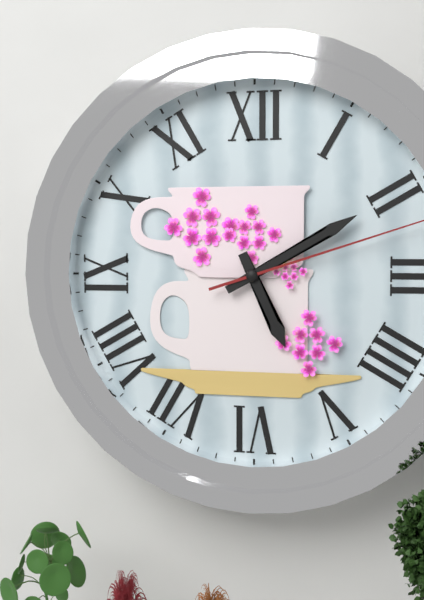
5:10
